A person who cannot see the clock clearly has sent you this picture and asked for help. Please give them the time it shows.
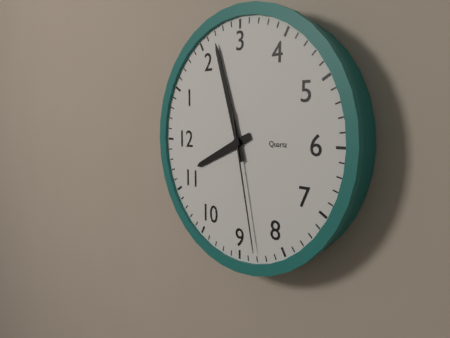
11:12:43
